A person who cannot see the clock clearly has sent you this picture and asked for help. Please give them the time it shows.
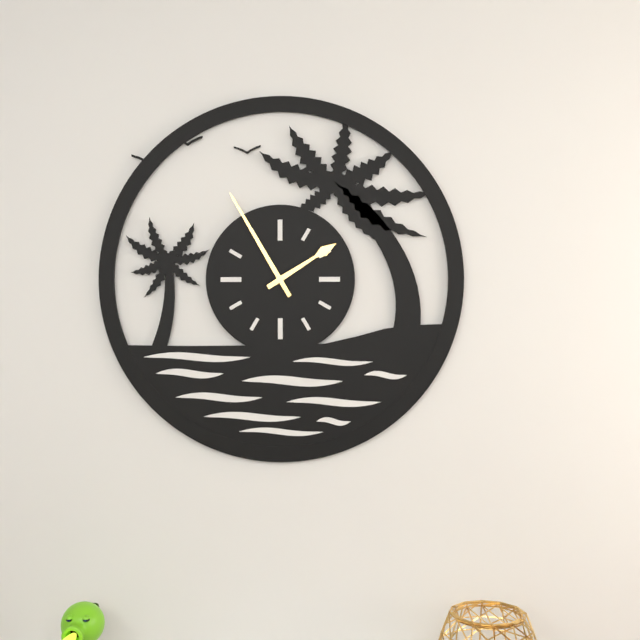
1:55
